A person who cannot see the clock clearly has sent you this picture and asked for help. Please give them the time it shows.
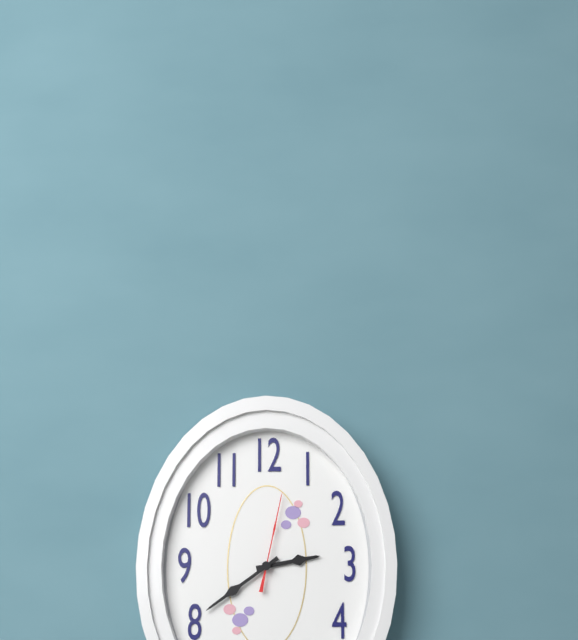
2:39:02
